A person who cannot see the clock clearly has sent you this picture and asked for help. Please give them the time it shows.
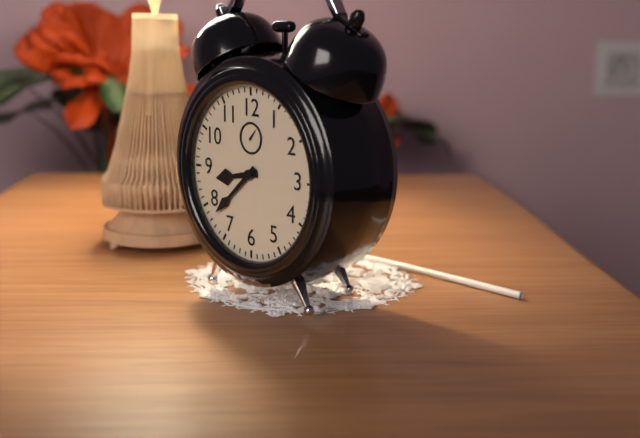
8:38
